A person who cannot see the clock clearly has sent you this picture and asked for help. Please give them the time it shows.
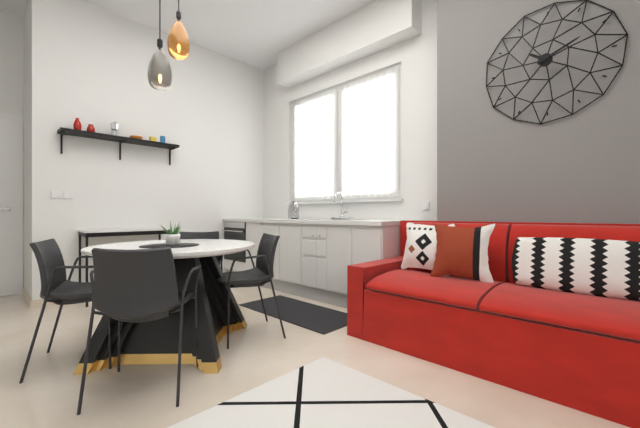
10:11
